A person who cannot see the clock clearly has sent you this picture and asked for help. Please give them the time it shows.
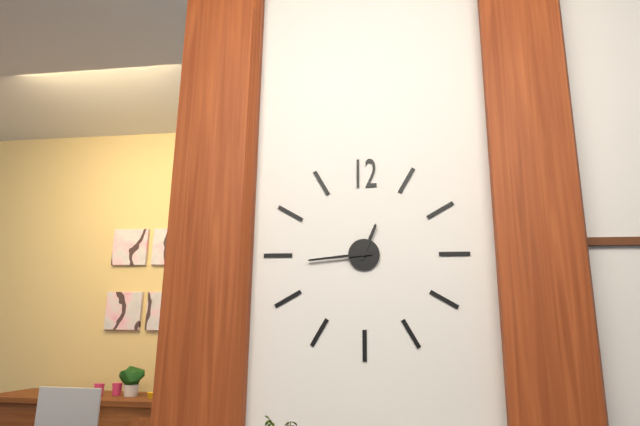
12:44
